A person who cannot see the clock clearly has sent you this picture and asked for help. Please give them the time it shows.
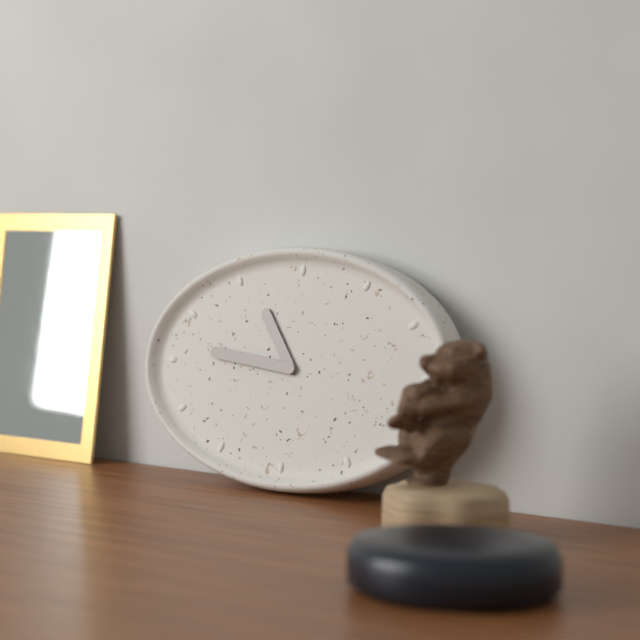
10:46
